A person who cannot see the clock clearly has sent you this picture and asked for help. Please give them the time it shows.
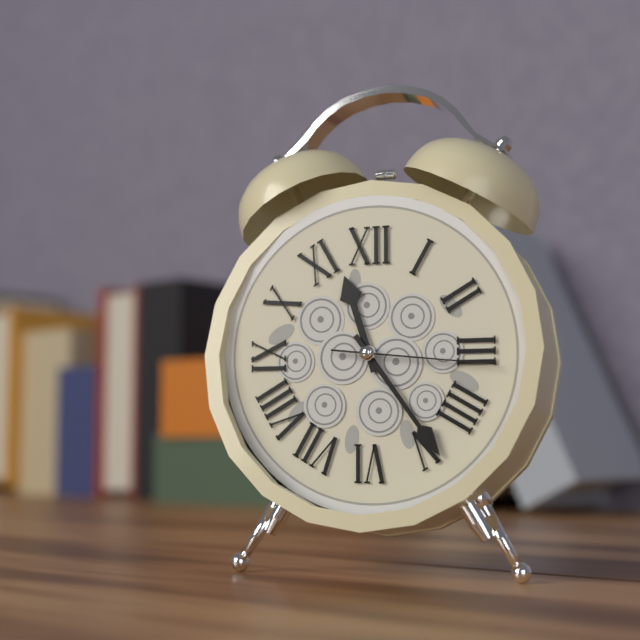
11:24:16
